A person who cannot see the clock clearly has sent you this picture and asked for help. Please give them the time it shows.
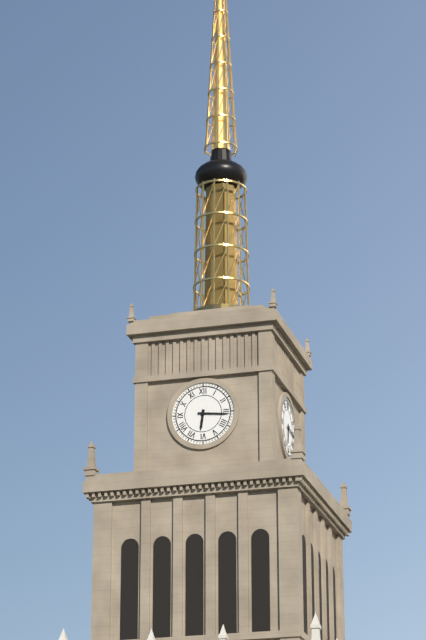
6:16
